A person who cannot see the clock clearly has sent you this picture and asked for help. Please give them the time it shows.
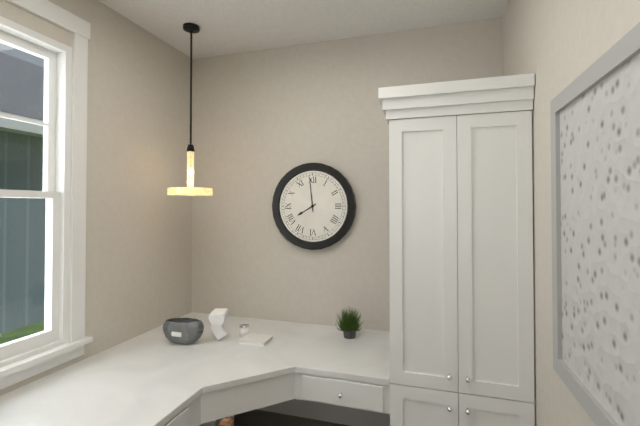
7:59
